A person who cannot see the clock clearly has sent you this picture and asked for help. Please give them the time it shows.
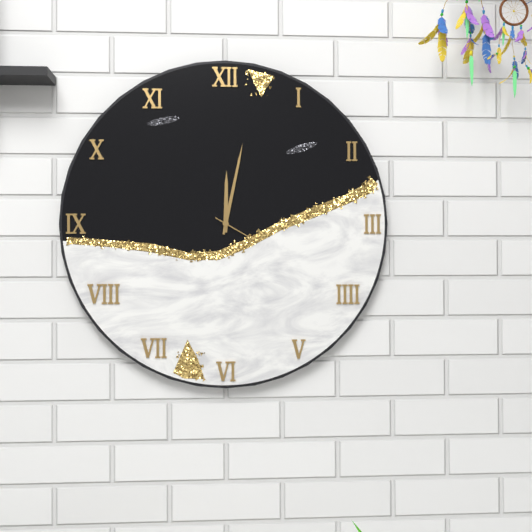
12:02
